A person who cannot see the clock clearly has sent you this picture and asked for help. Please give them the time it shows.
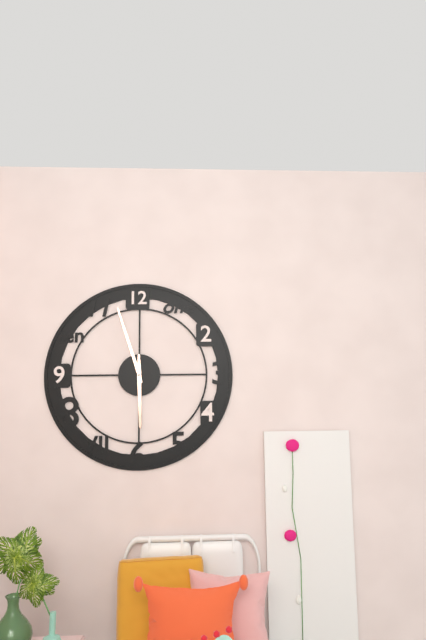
5:57
